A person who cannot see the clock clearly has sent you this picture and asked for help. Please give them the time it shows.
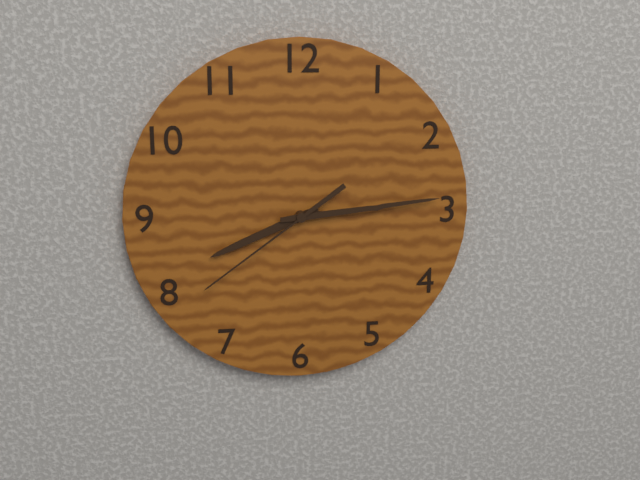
8:14:39
